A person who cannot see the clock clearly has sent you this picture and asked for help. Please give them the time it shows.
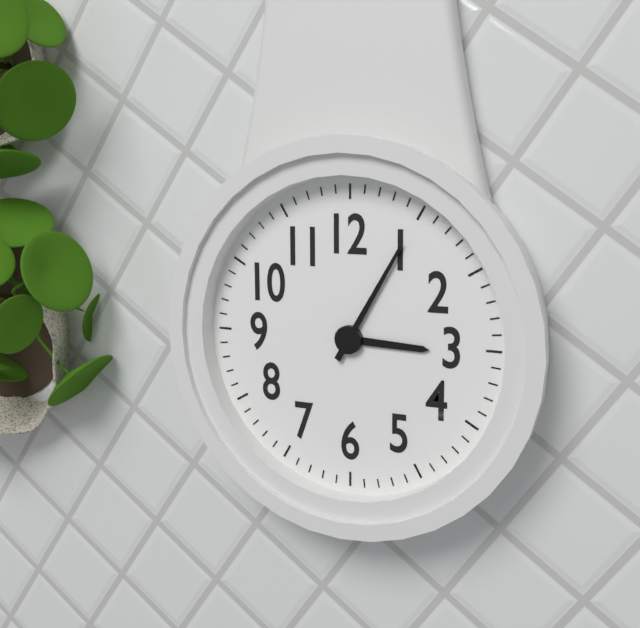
3:05
